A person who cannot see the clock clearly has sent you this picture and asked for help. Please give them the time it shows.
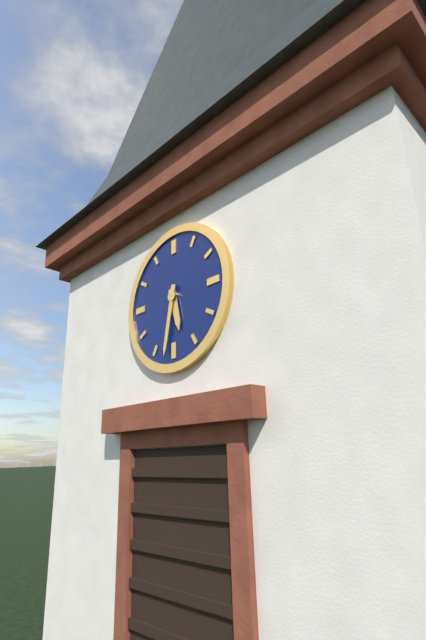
5:32
